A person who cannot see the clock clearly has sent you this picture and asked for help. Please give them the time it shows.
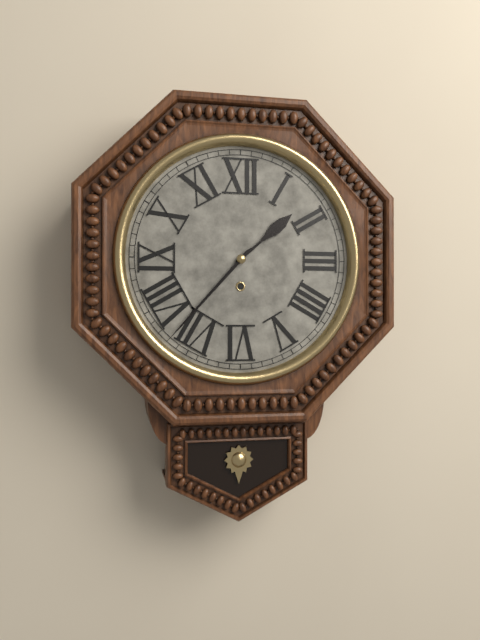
1:37
